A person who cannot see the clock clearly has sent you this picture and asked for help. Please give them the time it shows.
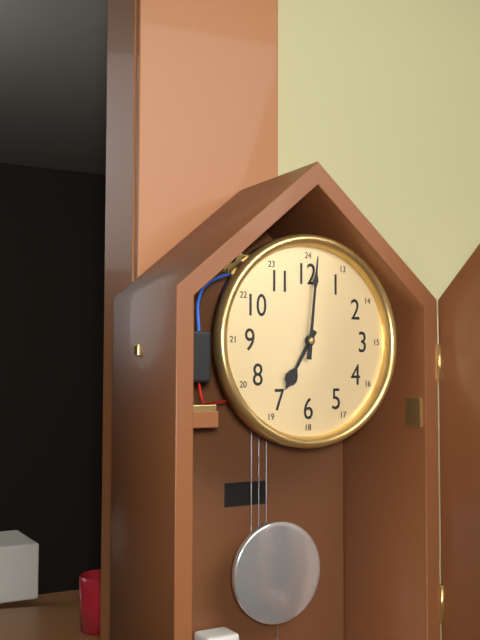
7:01
